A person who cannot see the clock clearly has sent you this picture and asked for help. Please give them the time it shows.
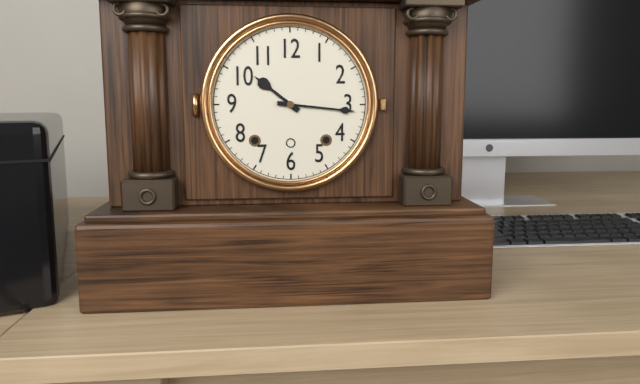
10:16
